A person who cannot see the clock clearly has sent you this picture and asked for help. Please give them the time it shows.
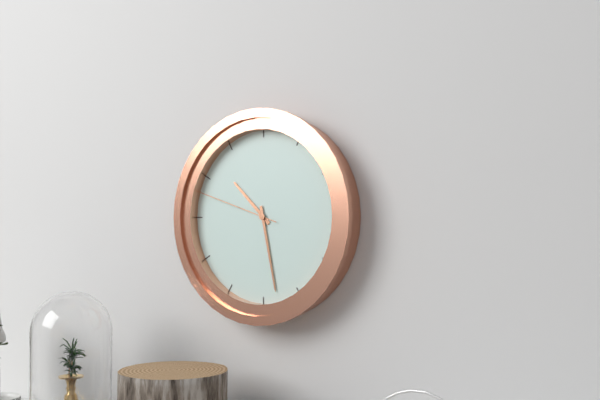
10:28:48
